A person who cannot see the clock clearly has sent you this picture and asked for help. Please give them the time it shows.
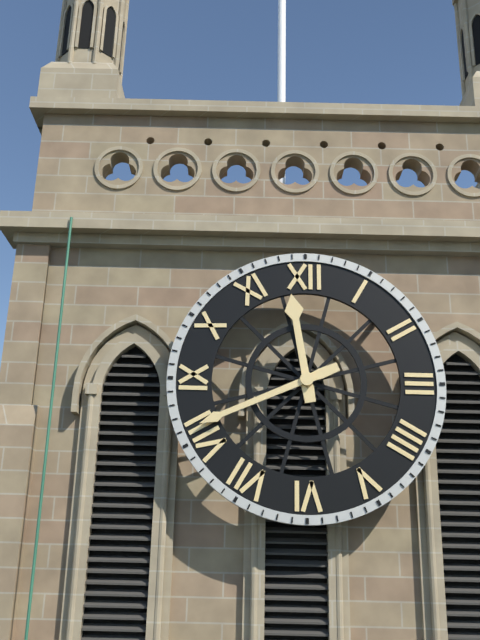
11:41
